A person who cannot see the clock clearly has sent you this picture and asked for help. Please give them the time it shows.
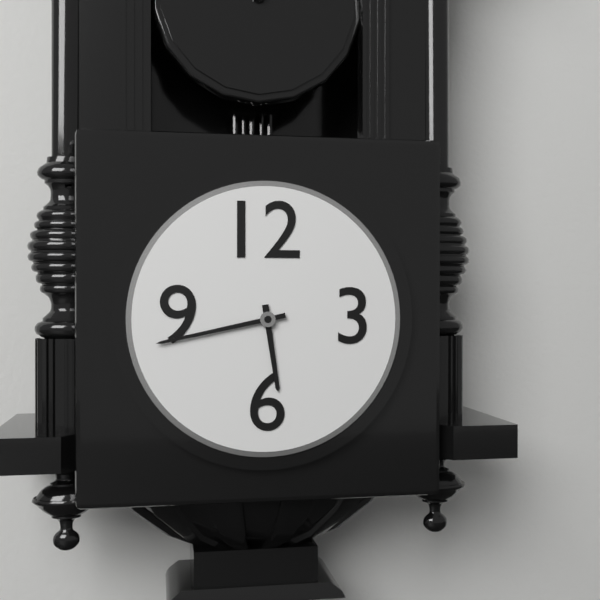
5:43
